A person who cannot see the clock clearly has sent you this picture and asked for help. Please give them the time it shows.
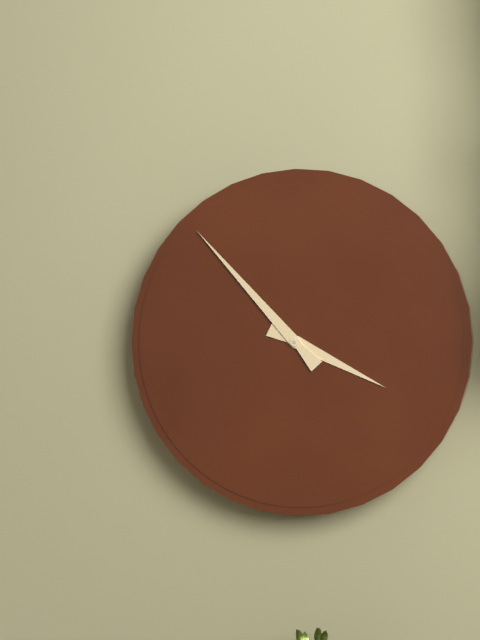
3:53
